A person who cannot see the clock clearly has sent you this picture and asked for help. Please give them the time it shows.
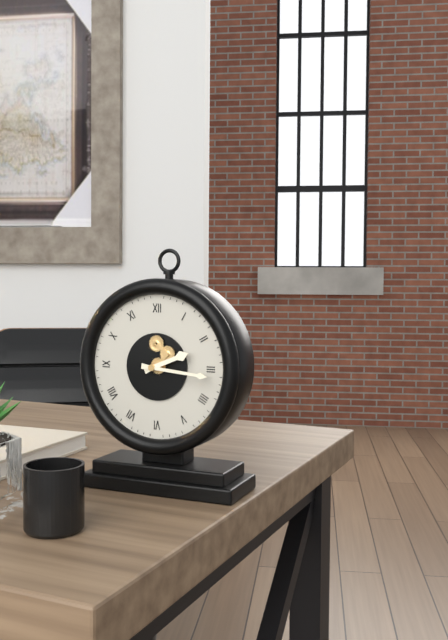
2:16
